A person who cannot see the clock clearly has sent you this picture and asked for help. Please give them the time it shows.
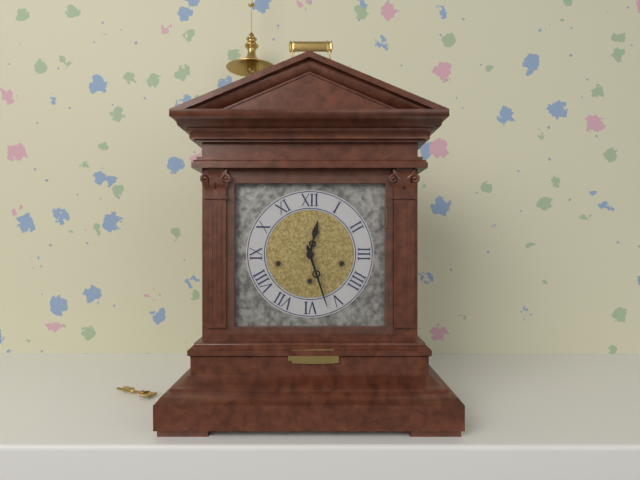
12:27
